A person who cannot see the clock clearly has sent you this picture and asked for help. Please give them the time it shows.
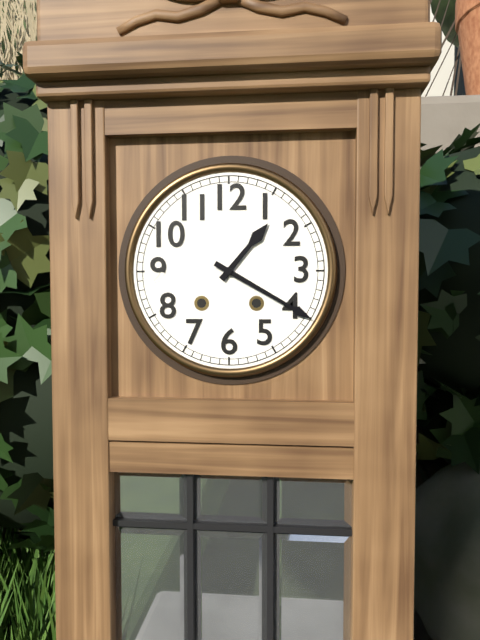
1:20
